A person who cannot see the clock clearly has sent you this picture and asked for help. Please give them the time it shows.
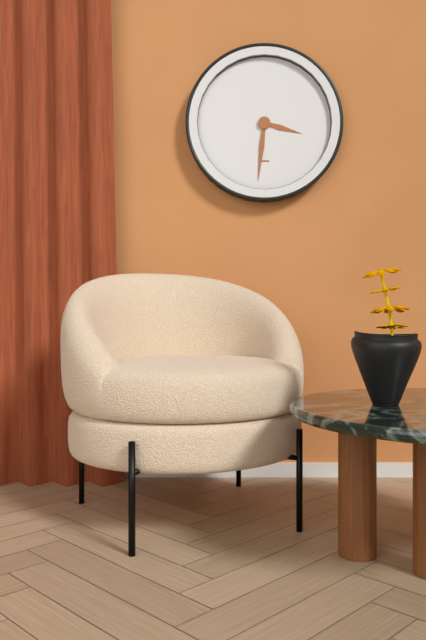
3:31
